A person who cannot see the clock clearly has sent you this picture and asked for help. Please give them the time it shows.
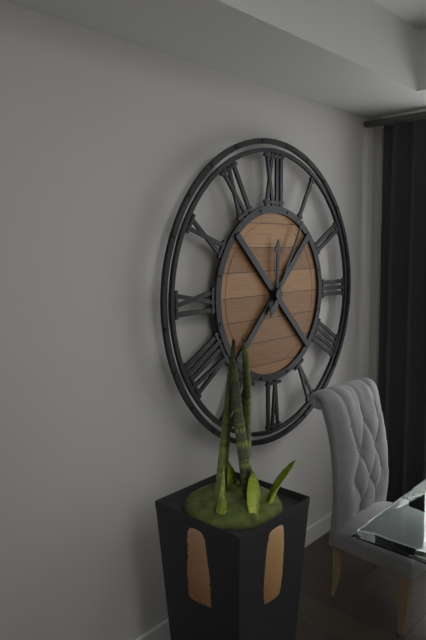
12:05
